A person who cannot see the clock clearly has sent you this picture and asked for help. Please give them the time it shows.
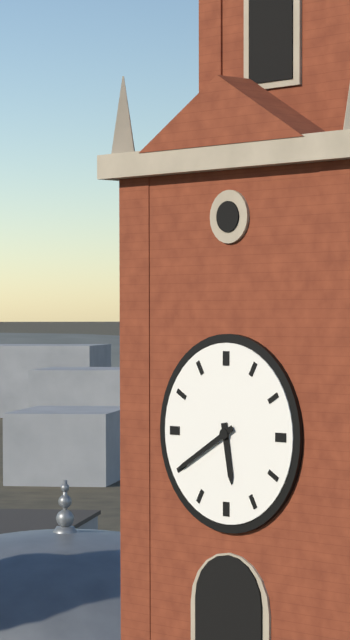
5:40
